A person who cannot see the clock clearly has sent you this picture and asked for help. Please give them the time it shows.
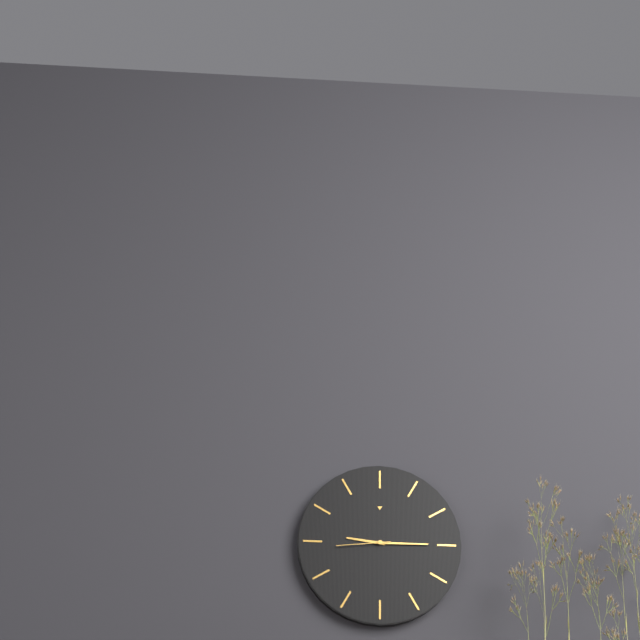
9:15:44
